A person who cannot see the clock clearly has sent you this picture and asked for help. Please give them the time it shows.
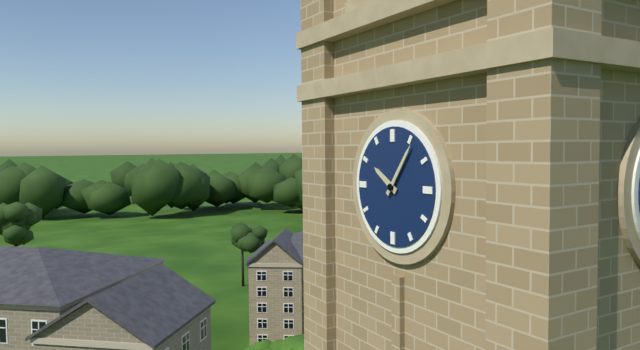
10:06
